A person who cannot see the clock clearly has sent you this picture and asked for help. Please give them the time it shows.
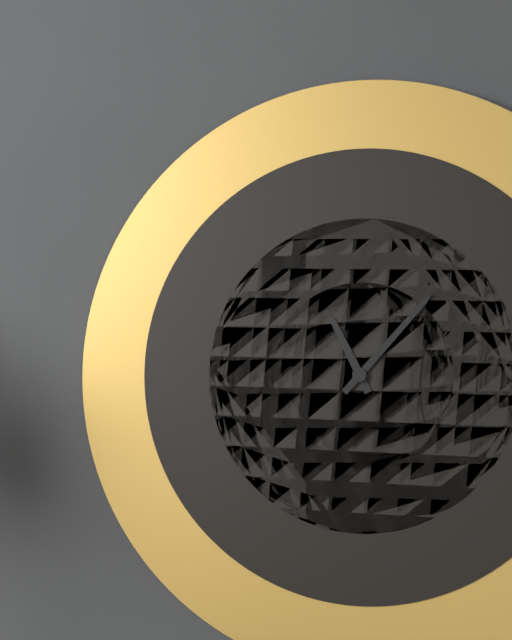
11:07
